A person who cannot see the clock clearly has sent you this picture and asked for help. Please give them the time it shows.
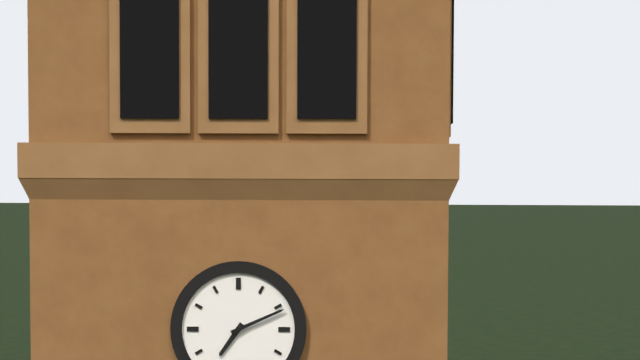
7:11
